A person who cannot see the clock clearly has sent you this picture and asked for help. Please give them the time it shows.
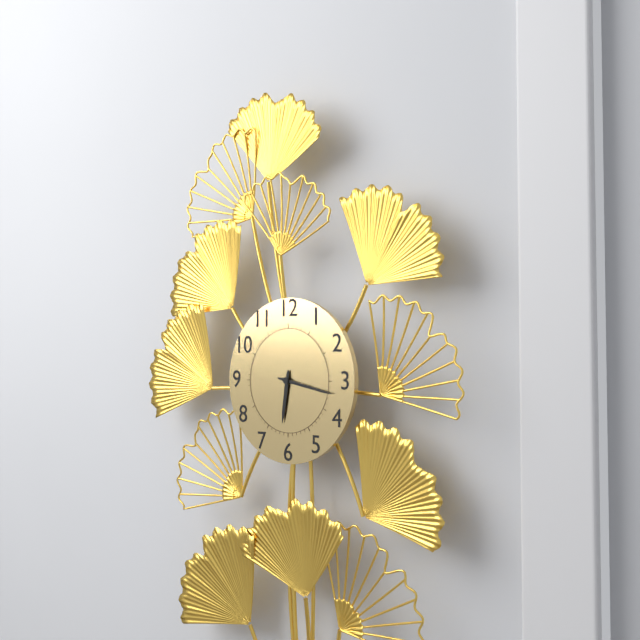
6:17
